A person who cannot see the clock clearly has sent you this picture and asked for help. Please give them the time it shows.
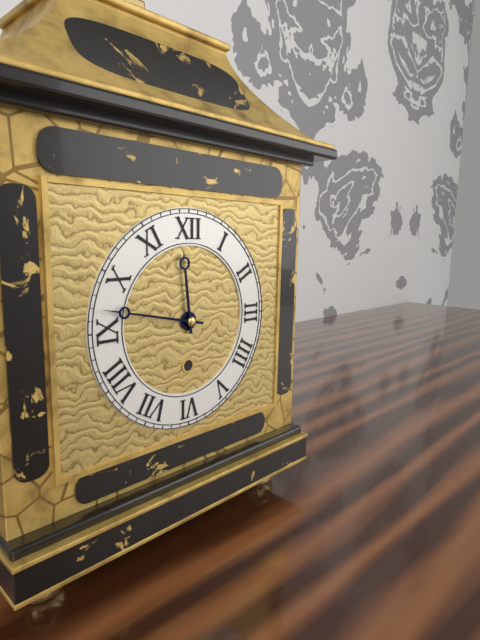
11:47
